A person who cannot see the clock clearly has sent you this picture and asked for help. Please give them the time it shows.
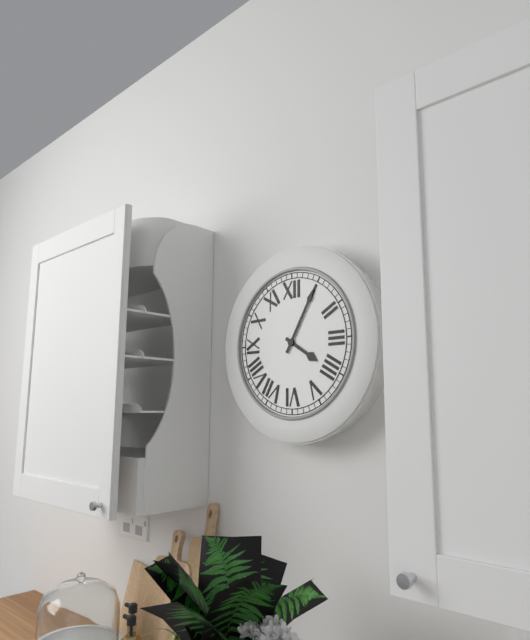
4:05
